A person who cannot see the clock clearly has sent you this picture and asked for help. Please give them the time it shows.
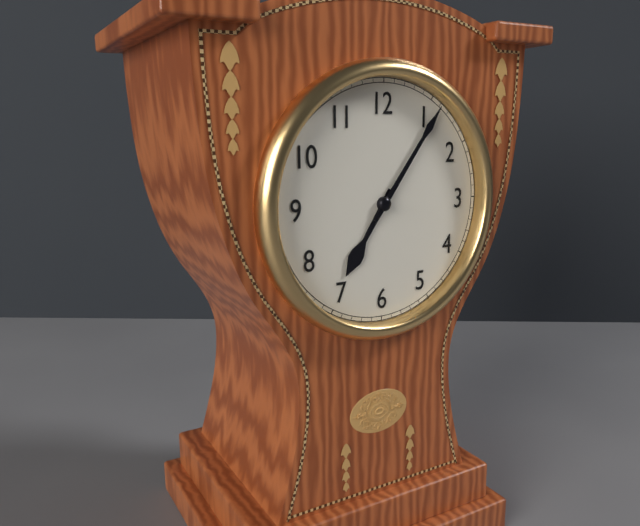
7:06
